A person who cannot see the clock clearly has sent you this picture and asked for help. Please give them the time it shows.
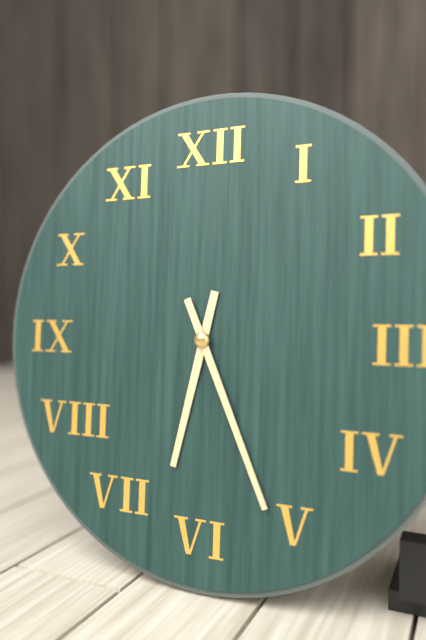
6:26
